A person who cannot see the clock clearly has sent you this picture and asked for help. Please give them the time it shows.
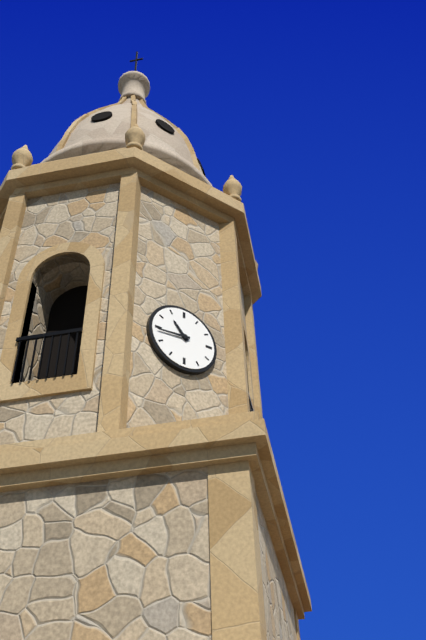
10:44
